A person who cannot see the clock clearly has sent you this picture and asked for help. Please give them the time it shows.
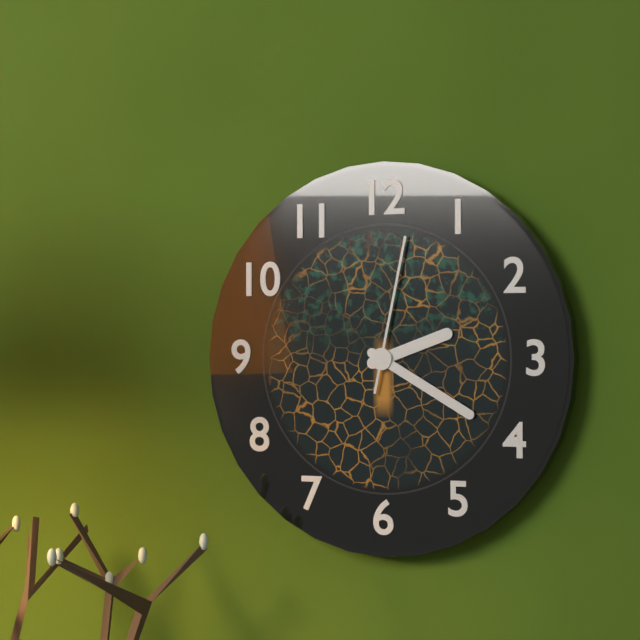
2:20:02
